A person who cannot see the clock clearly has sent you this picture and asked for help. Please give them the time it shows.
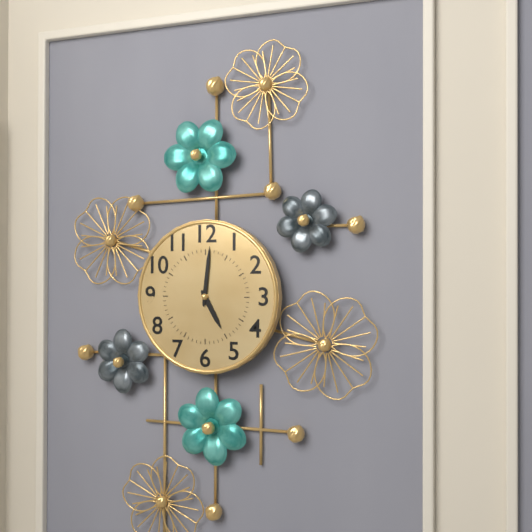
5:01
